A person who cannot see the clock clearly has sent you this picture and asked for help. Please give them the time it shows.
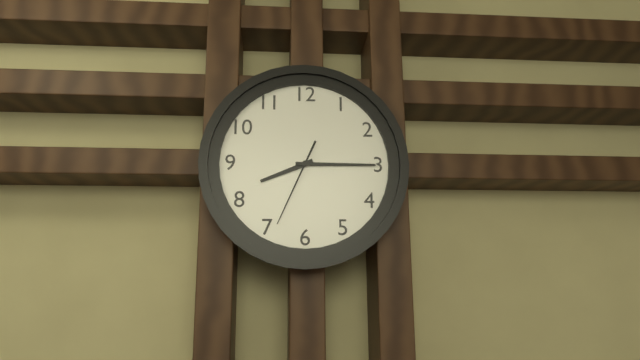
8:15:34
